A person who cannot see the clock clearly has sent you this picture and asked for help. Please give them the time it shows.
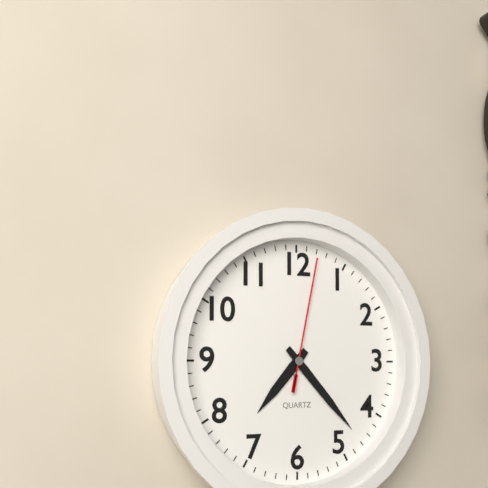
7:23:02
